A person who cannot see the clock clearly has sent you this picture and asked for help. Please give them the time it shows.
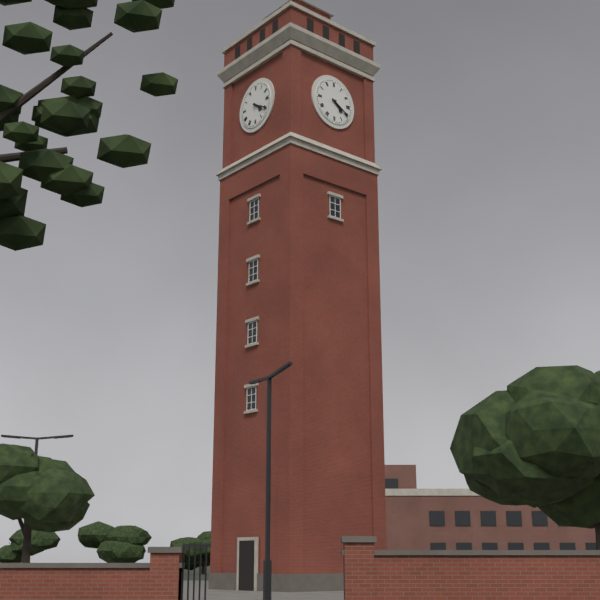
4:20
